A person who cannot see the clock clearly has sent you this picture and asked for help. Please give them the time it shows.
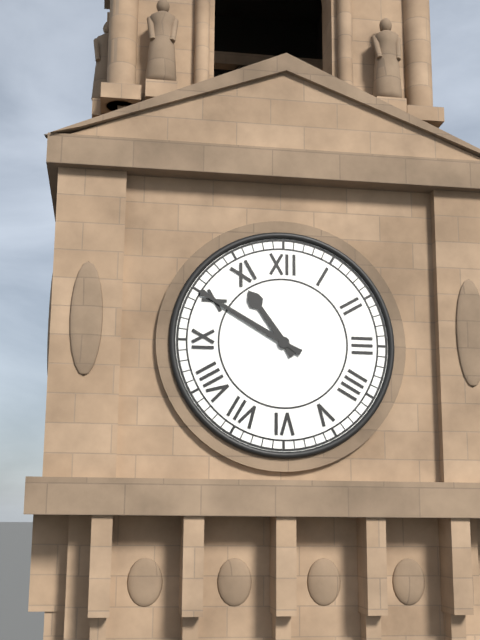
10:50
